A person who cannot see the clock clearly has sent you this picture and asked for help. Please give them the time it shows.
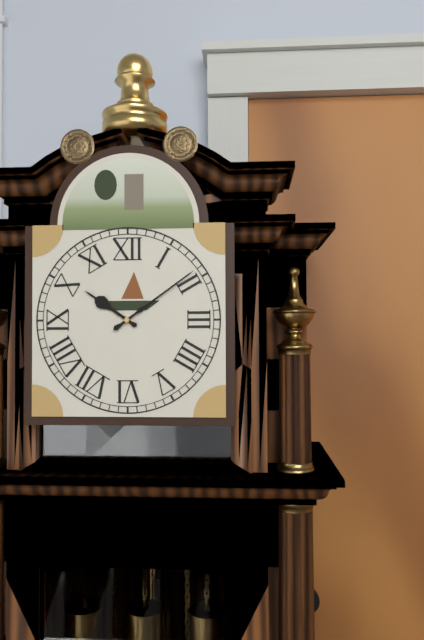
10:09
